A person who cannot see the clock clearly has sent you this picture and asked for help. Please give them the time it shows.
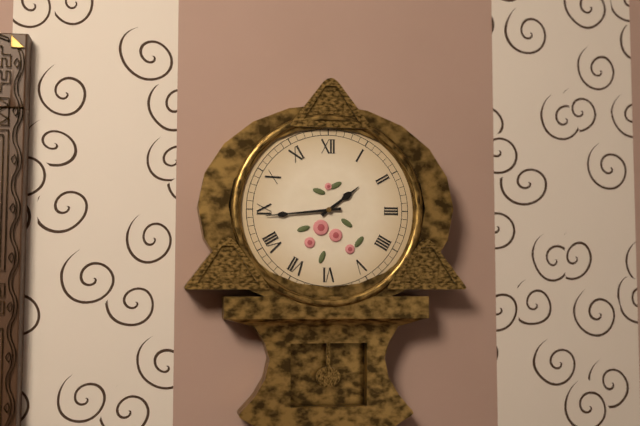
1:44
